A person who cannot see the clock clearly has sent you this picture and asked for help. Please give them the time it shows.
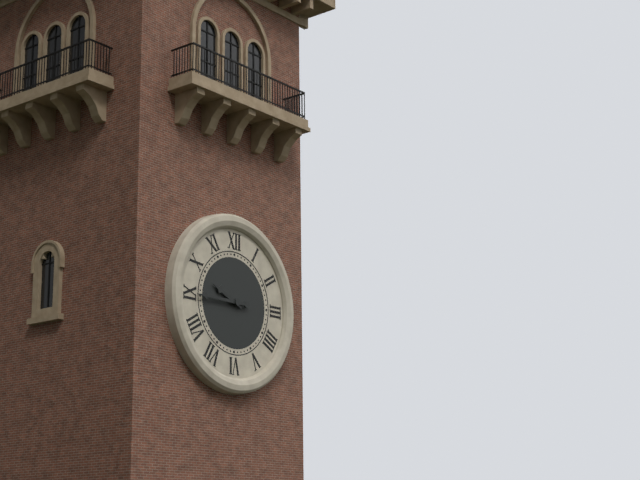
9:45
